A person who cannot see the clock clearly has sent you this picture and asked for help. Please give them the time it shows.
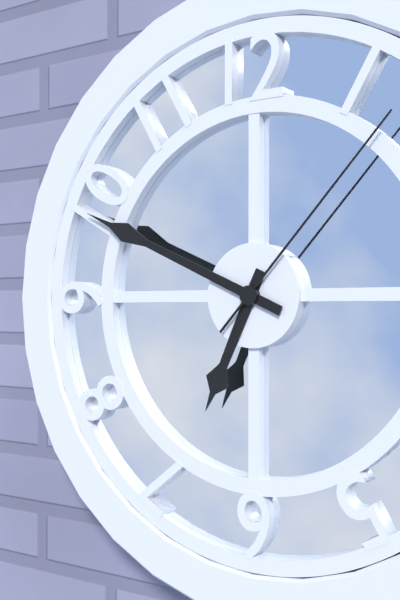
6:49:07
